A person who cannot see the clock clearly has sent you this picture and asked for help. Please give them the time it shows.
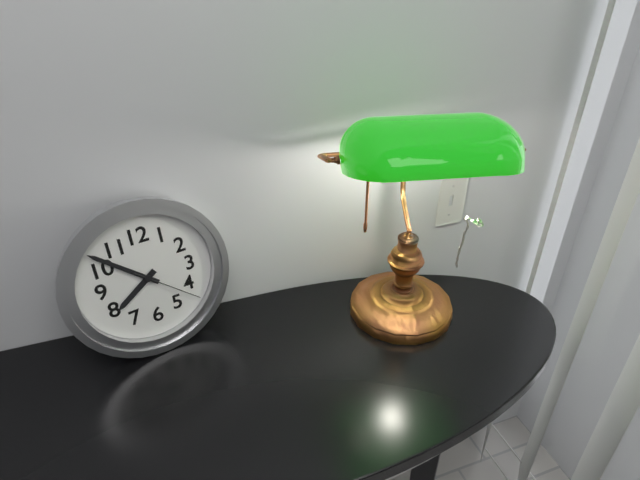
7:52:22
